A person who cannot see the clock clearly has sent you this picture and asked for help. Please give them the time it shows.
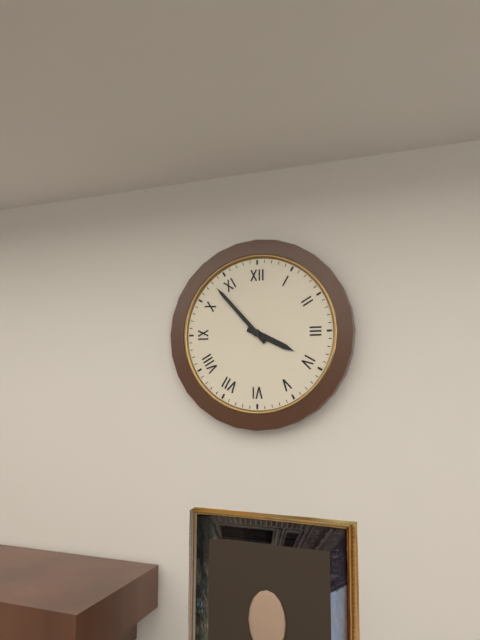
3:53
